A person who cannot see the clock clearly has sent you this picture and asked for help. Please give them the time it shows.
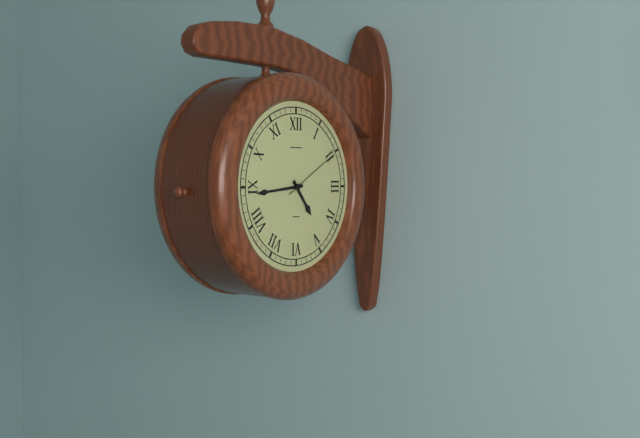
4:44:10
